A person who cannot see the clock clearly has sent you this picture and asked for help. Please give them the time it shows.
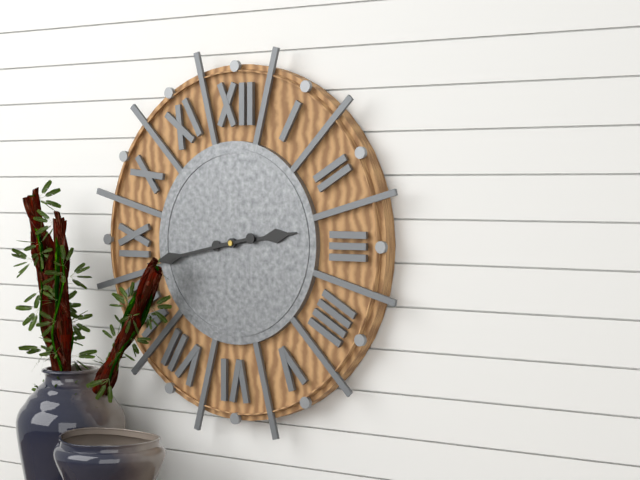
2:43
